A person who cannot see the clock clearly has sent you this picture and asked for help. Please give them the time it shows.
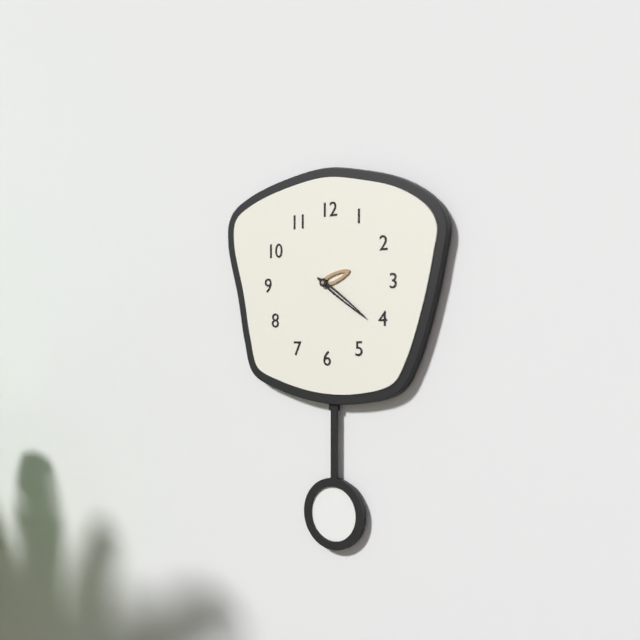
2:21
